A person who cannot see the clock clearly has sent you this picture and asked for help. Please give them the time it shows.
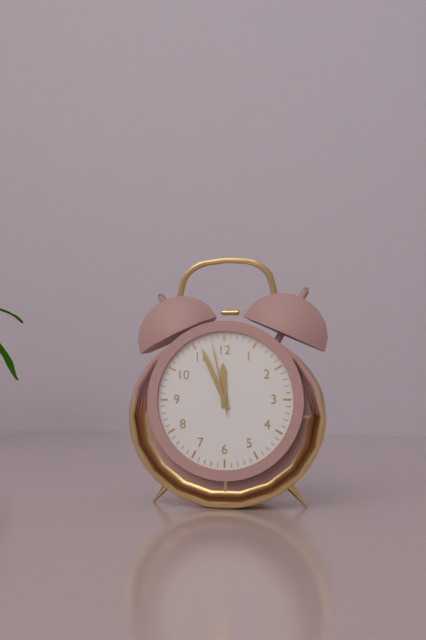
11:56:58
